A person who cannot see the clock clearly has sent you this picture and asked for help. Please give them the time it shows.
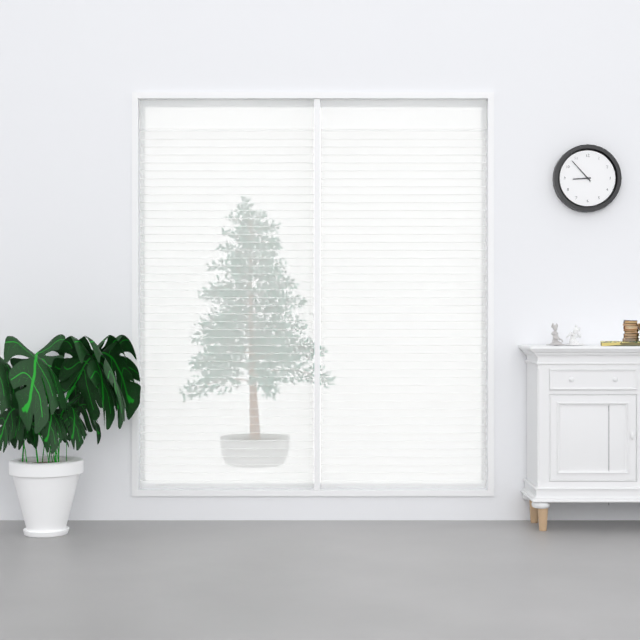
8:53
